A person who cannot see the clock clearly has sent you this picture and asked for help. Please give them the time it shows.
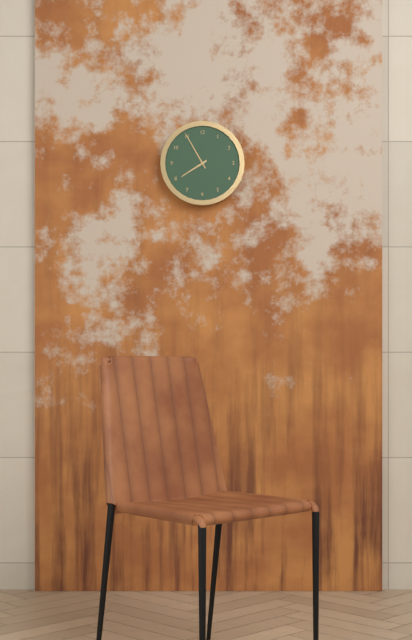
7:55
